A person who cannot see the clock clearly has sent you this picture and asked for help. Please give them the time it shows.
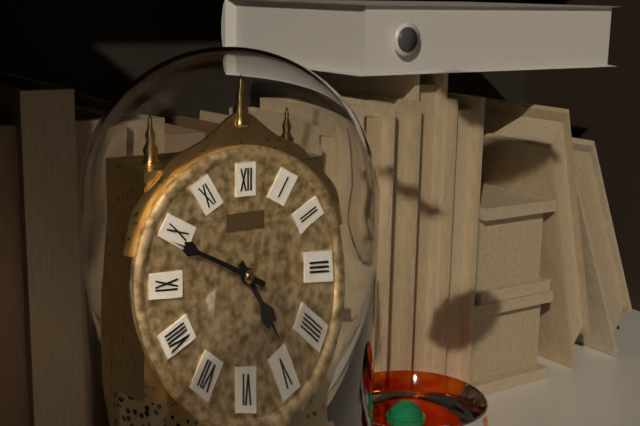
4:49
